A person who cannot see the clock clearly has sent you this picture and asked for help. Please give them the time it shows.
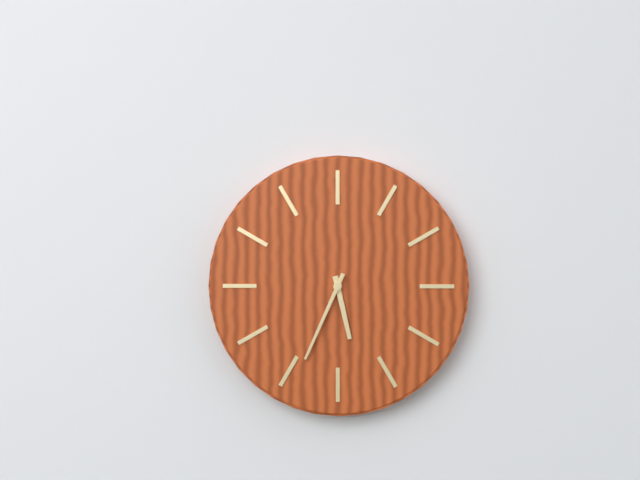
5:34
